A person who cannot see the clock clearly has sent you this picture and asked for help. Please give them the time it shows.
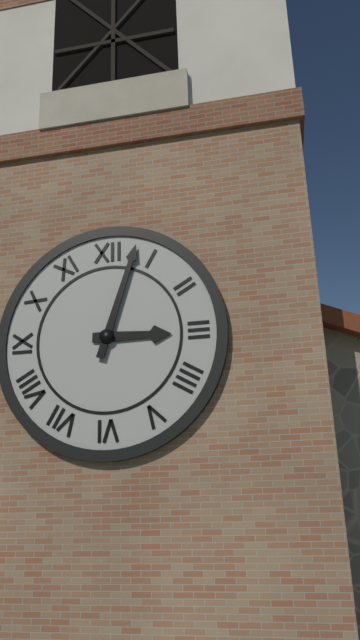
3:03
